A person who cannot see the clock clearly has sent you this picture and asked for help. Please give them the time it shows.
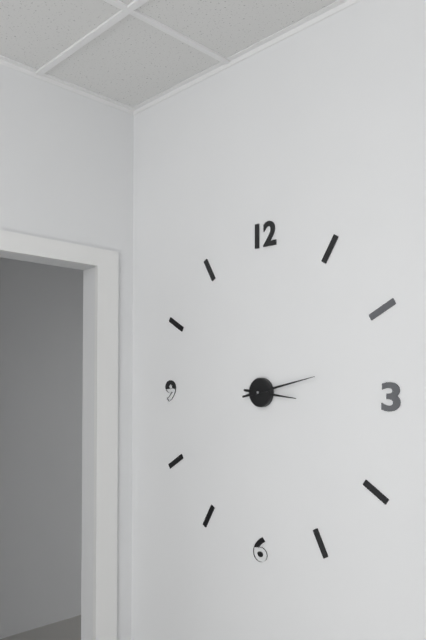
3:13
